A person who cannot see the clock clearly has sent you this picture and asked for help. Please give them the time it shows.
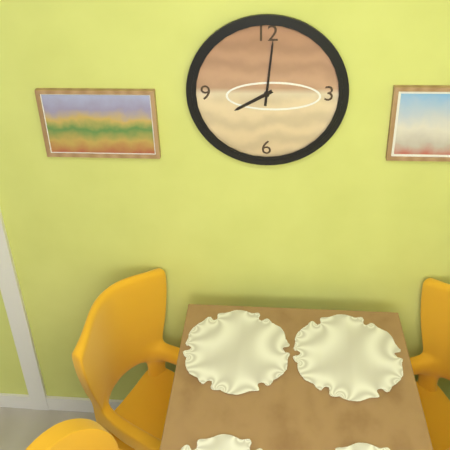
8:01
